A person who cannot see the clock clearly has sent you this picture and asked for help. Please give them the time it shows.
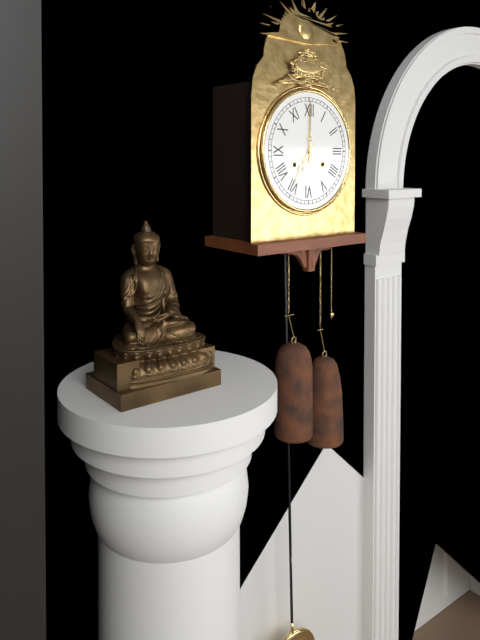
7:00
